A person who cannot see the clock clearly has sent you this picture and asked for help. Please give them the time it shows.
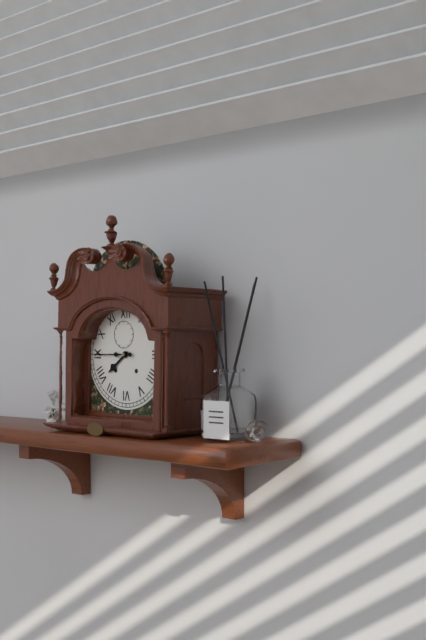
7:45
